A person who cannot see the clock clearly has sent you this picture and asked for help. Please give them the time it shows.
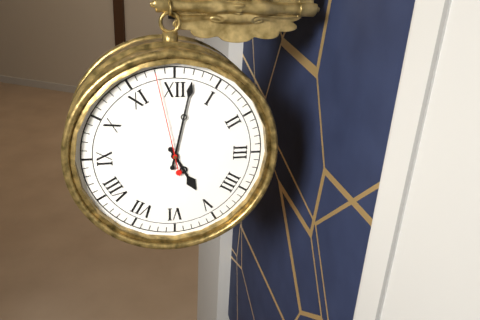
5:02:58
